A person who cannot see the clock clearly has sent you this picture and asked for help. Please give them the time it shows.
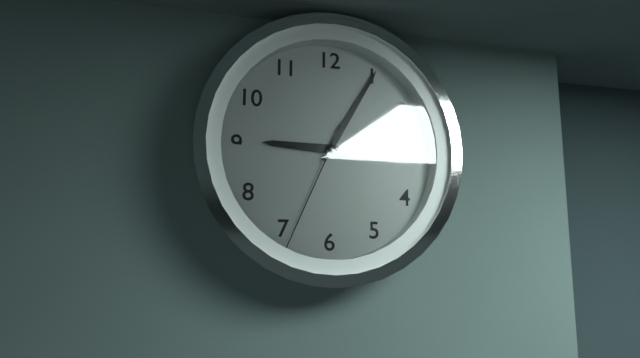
9:05:34
